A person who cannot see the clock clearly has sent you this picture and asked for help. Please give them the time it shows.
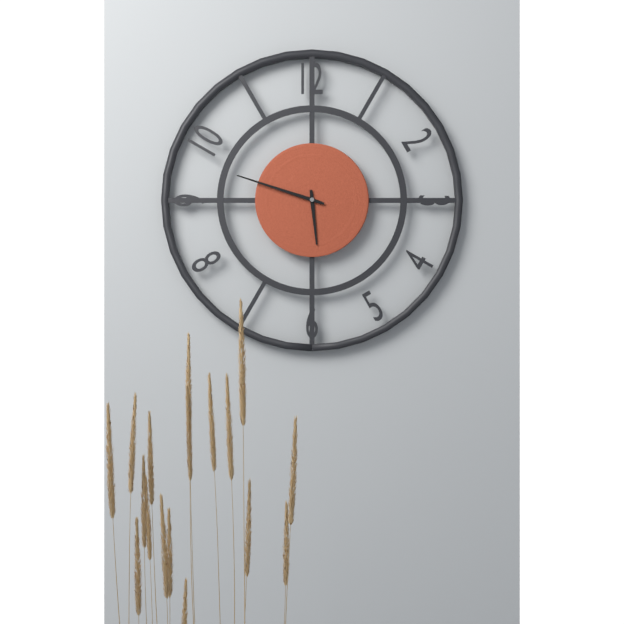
5:48
